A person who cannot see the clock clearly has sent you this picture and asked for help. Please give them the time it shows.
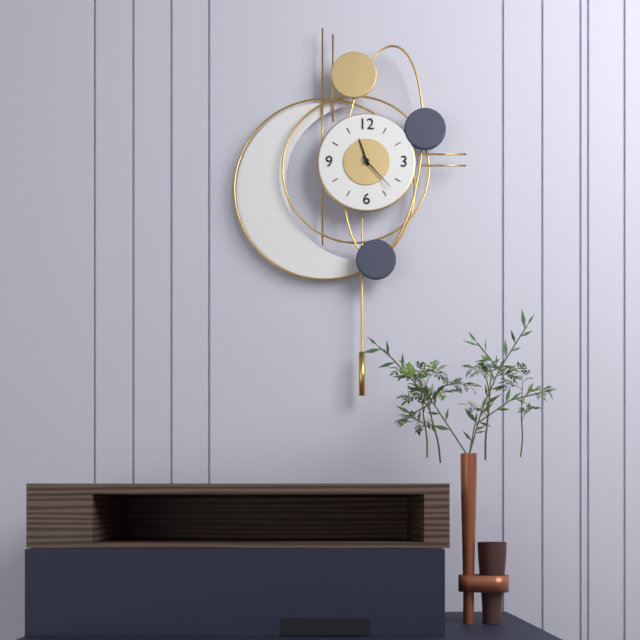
11:23
